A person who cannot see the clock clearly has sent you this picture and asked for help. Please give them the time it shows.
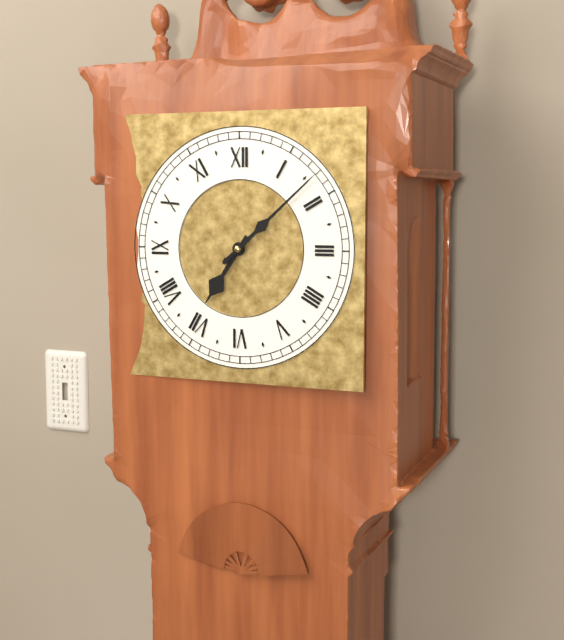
7:08
